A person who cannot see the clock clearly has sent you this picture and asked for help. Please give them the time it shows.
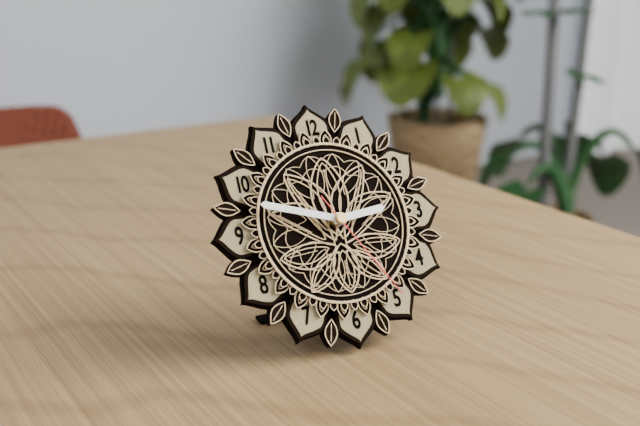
2:48:25
